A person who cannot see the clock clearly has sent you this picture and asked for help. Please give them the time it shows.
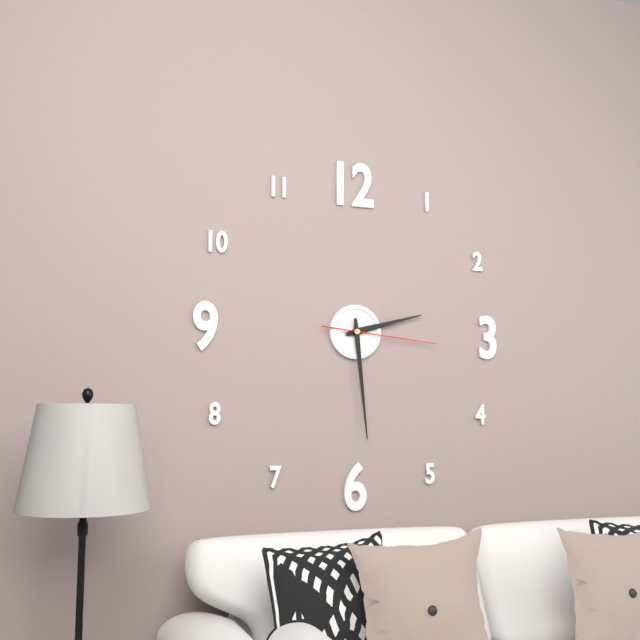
2:29:16
